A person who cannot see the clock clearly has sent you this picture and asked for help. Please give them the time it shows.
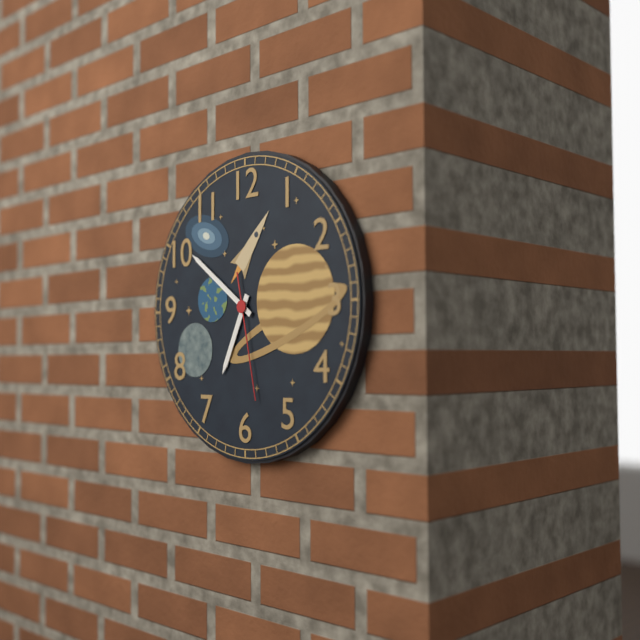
6:51:28
